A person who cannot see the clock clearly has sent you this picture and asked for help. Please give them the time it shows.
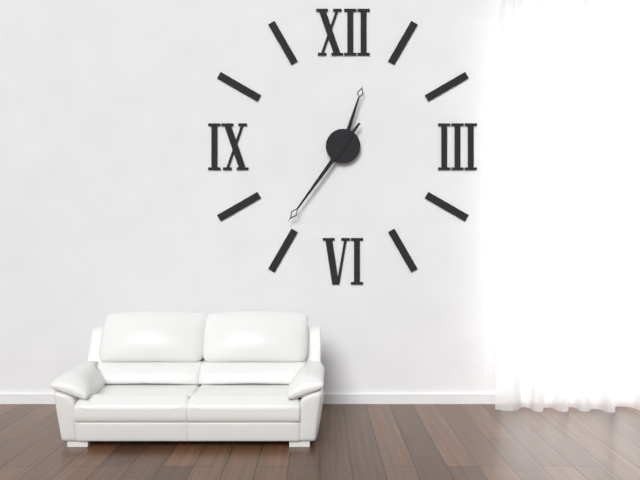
12:36
